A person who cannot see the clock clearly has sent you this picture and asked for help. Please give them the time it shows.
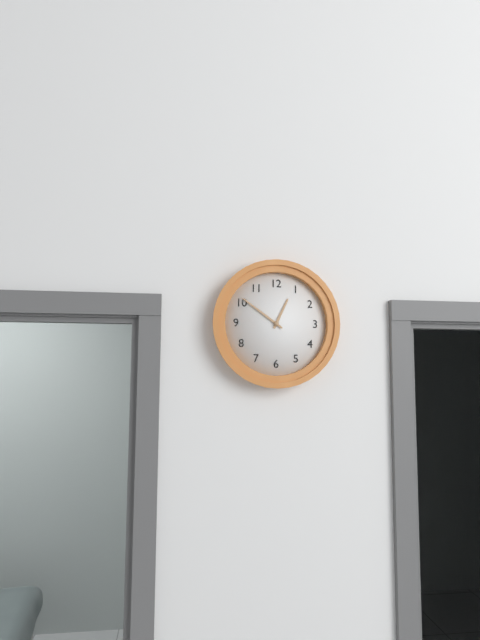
12:51
